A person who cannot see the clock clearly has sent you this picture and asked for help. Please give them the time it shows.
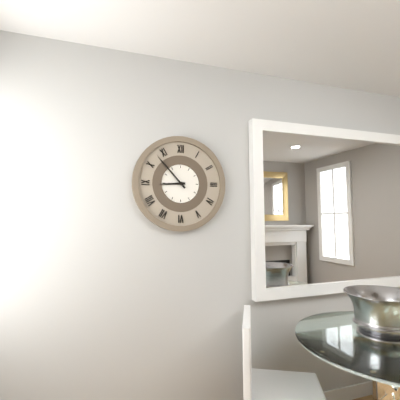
8:53
